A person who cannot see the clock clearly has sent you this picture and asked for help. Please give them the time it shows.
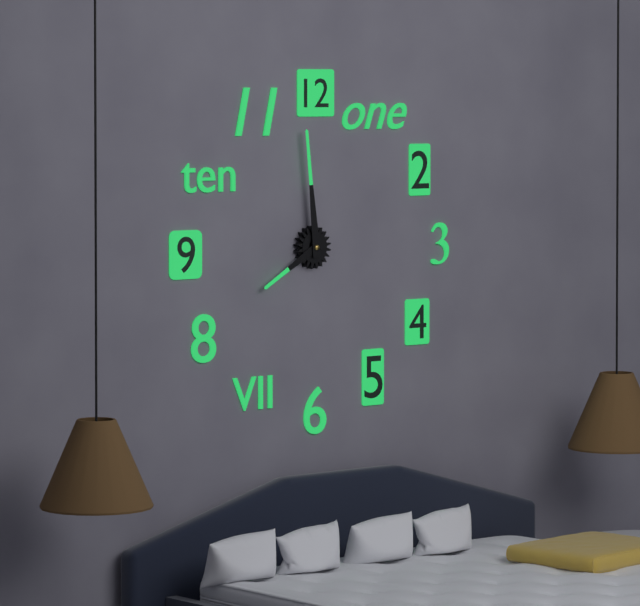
7:59
